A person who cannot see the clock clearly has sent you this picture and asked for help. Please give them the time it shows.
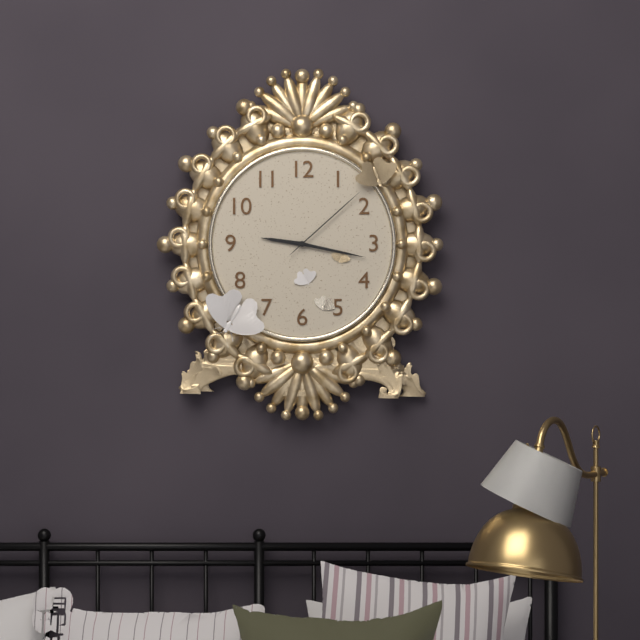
9:17:08
